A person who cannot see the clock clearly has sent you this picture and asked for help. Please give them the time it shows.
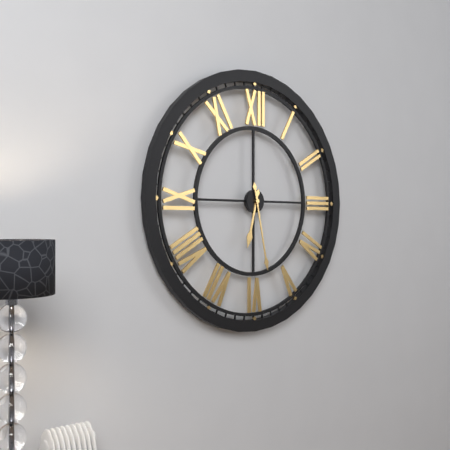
6:28
